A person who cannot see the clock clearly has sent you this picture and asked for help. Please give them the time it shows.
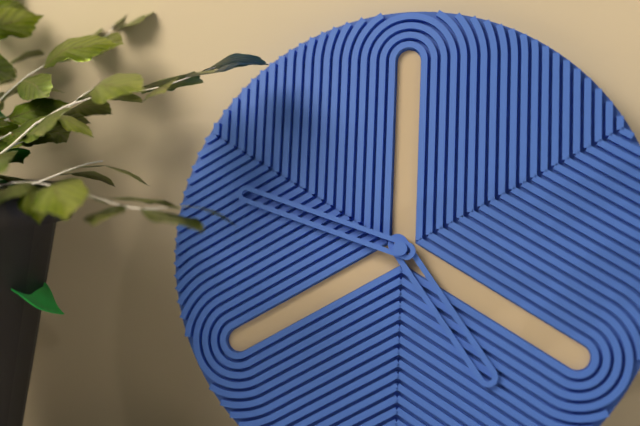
4:48
